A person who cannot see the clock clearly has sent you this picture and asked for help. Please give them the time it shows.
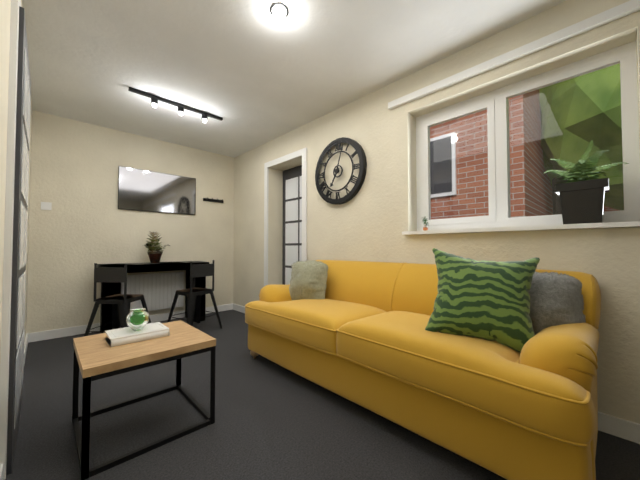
7:03
